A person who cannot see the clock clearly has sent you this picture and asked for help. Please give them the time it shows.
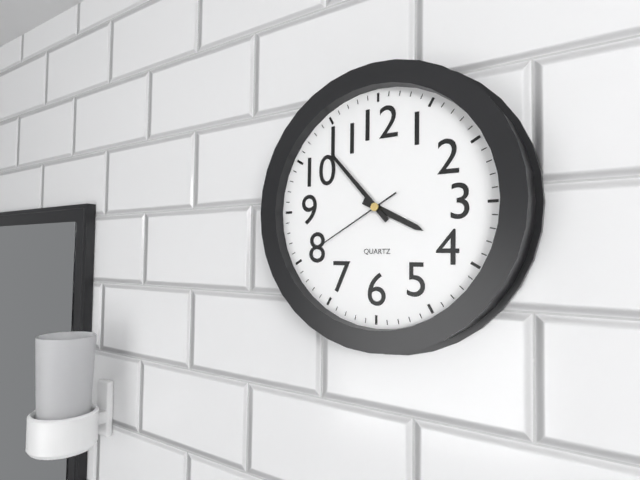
3:53:40
